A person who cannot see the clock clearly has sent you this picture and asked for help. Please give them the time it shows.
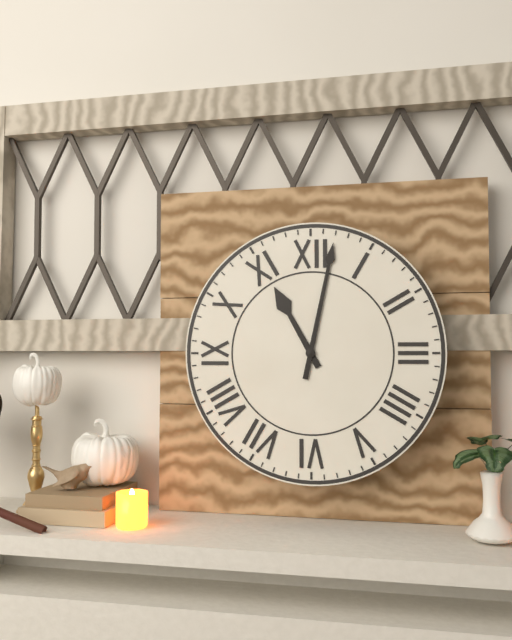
11:02
